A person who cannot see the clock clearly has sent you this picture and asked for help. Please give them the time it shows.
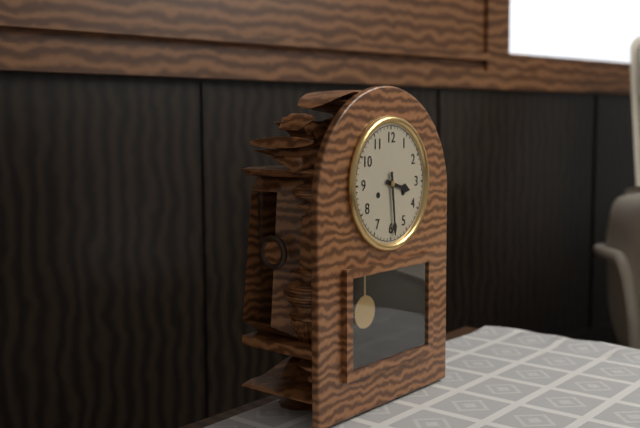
3:29
